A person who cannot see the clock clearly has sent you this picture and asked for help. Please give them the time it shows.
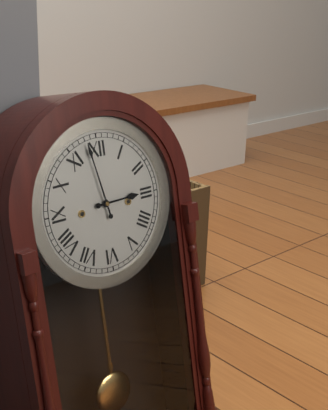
2:58
